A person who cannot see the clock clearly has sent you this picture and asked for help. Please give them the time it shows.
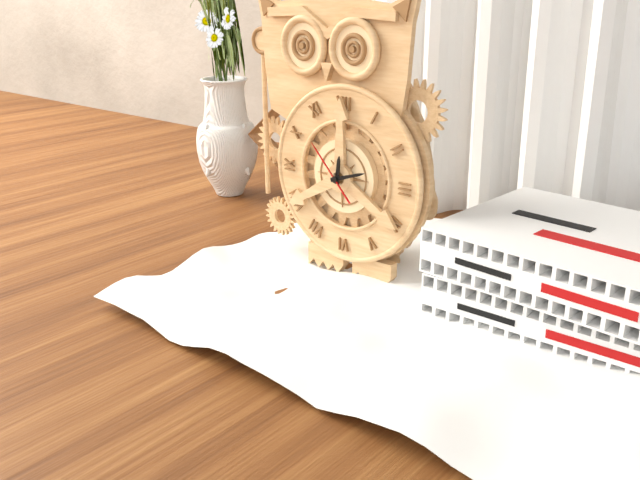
12:12:53
